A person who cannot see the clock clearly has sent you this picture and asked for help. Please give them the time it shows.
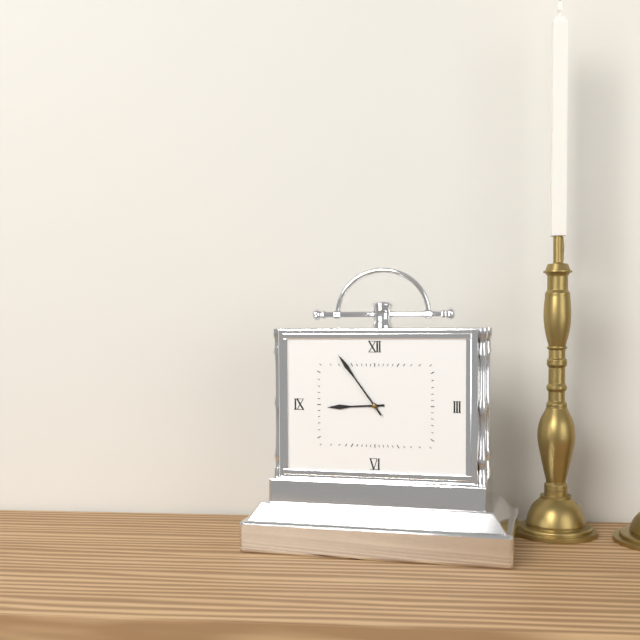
8:54
